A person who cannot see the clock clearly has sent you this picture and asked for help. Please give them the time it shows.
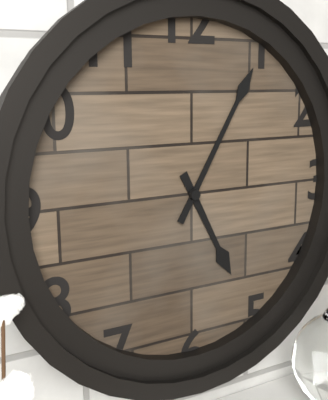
5:05
